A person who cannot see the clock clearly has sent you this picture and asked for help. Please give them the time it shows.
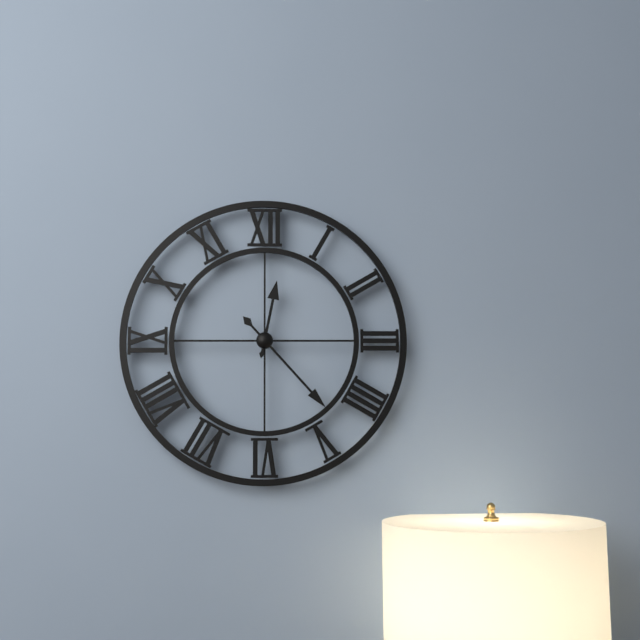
12:23
